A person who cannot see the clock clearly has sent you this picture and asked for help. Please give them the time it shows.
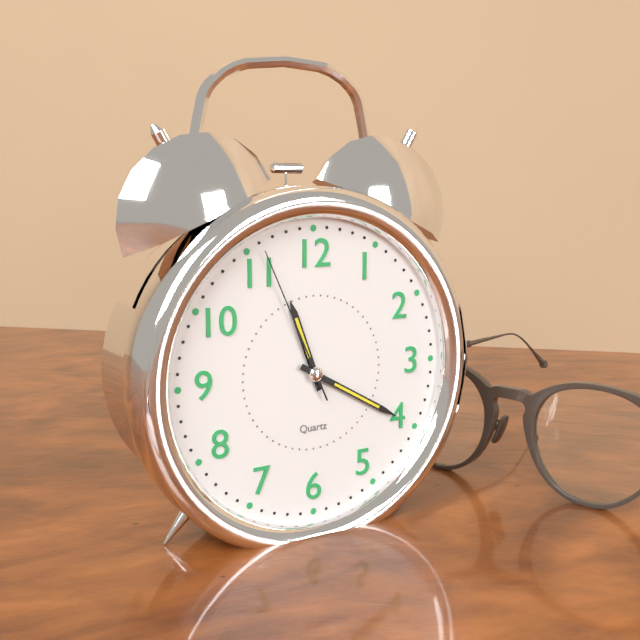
11:20:56
